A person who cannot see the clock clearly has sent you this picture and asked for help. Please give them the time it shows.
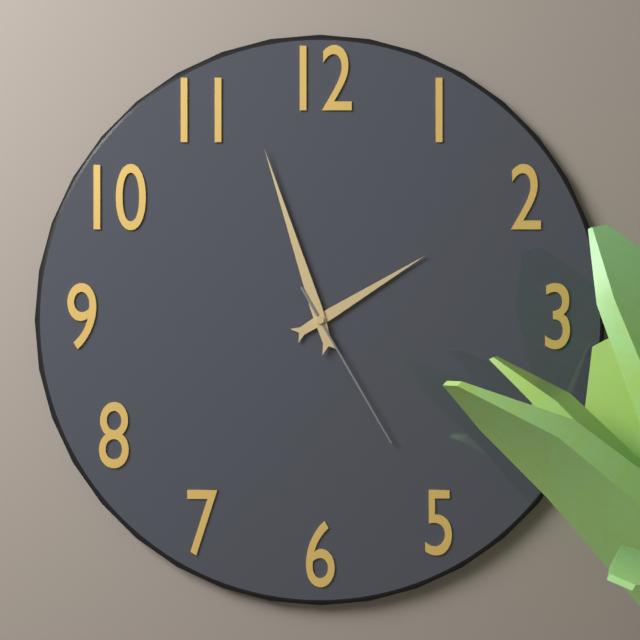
1:57:25
